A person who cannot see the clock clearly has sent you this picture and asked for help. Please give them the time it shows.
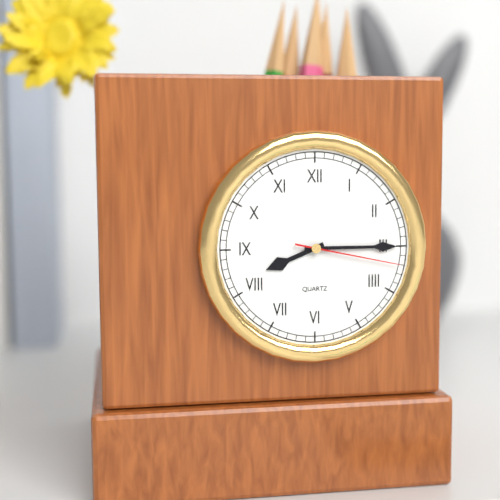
8:15:17
